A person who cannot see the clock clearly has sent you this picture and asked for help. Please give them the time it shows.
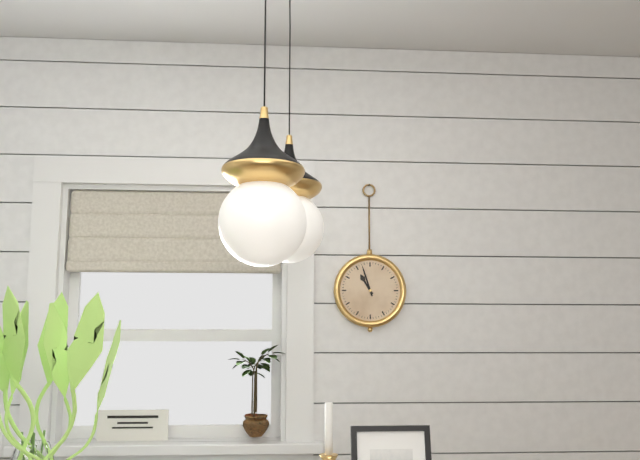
10:57
